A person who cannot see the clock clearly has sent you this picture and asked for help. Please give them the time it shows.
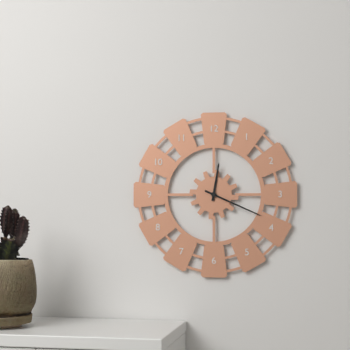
12:19
